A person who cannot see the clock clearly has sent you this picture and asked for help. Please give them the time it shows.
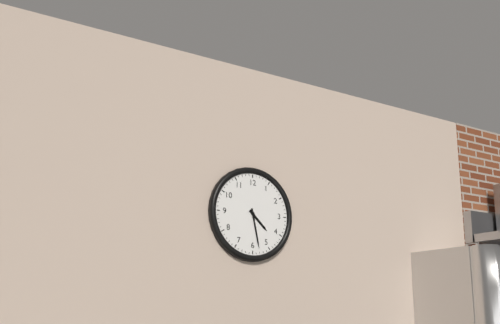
4:28
